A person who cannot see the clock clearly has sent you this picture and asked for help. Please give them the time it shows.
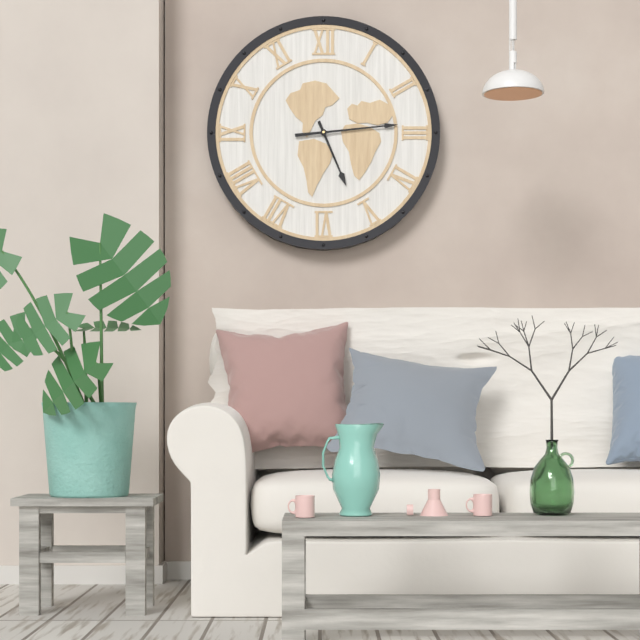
5:14
